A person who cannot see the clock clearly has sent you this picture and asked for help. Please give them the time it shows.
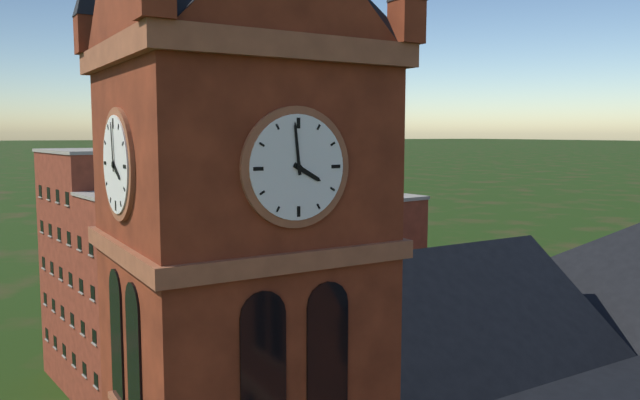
3:59
